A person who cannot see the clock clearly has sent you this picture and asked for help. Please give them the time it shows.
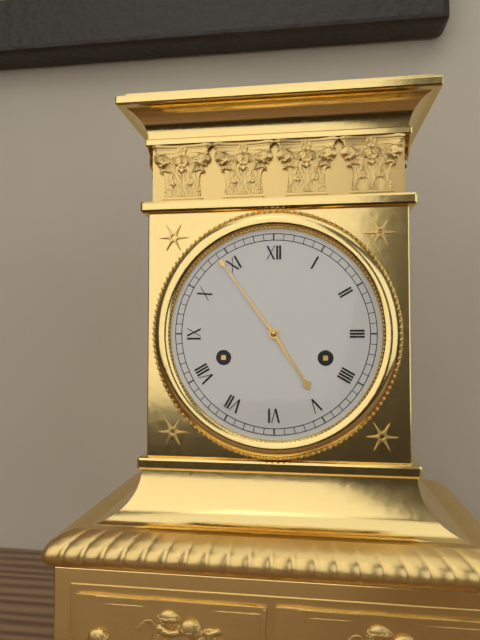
4:54
